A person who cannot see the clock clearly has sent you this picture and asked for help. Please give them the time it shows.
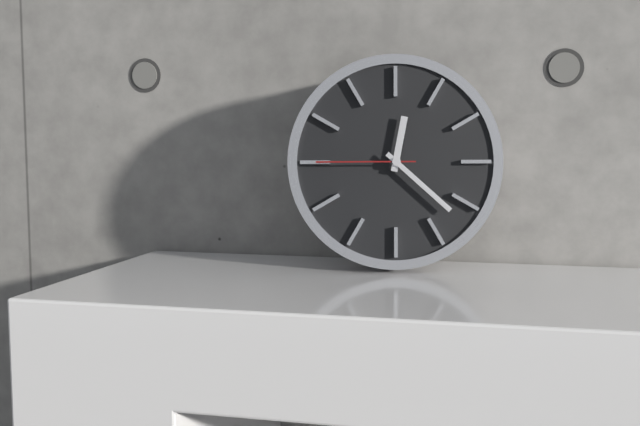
12:22:45
